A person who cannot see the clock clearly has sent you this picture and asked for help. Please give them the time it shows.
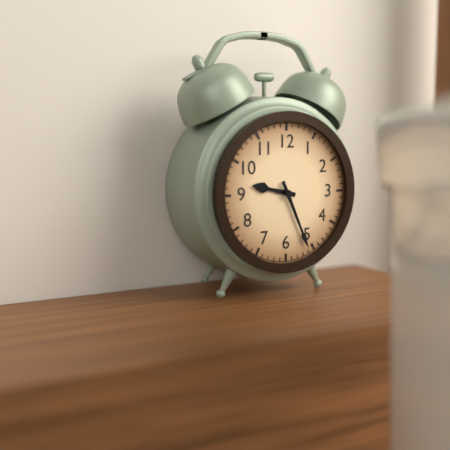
9:26
